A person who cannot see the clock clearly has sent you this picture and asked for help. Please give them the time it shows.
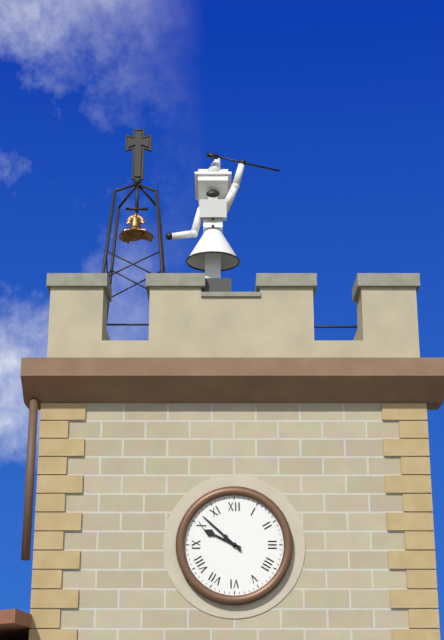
9:52
